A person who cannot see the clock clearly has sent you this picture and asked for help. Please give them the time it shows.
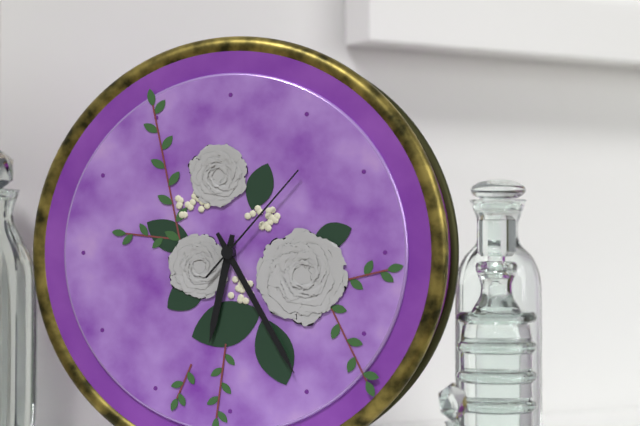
6:25:07
